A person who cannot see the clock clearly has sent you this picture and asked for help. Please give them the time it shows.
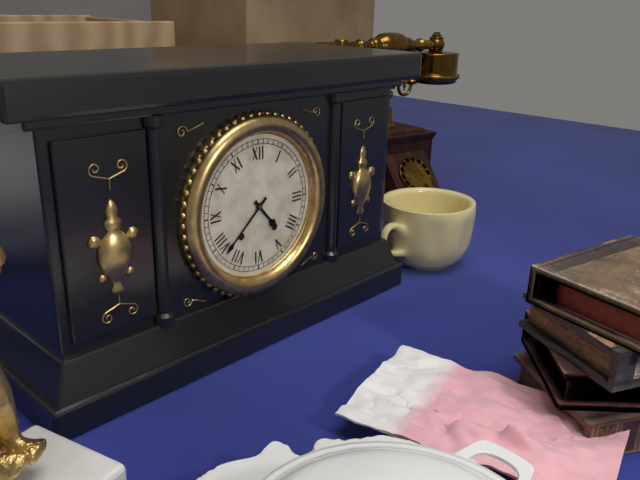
4:38
